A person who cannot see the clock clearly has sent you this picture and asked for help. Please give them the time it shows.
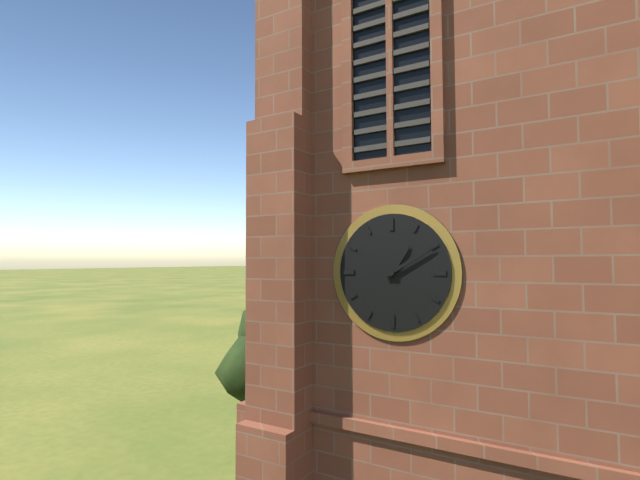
1:10
